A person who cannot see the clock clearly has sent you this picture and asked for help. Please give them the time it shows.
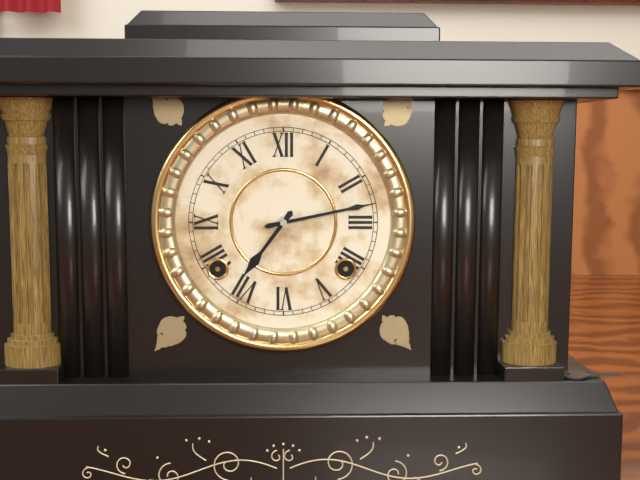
7:13
